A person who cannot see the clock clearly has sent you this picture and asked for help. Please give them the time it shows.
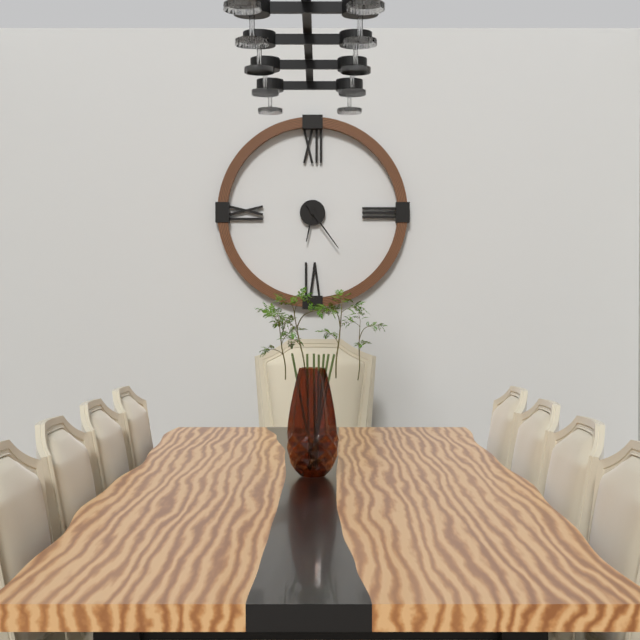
6:24
